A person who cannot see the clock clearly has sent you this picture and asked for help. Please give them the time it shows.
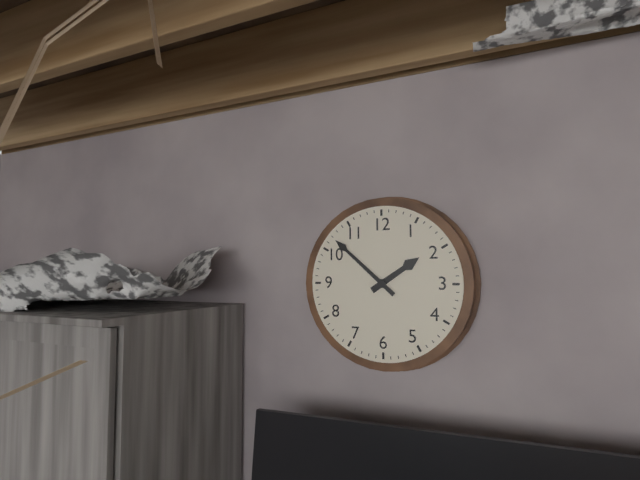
1:52
